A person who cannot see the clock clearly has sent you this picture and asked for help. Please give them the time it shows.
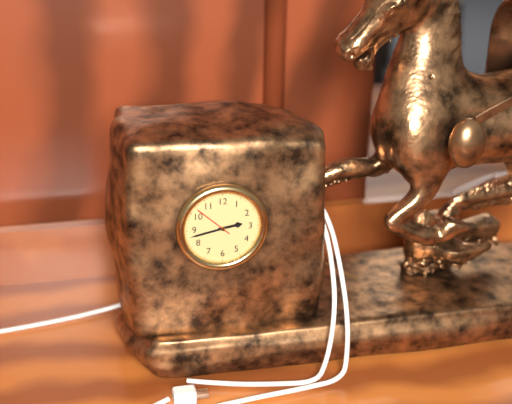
2:43
